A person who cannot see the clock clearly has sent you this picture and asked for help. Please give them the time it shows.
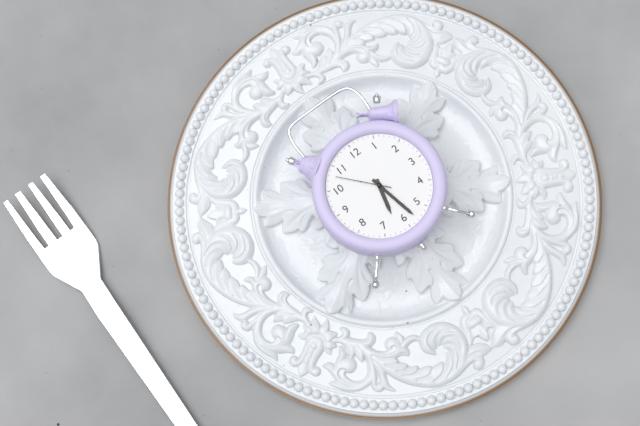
6:28:53
